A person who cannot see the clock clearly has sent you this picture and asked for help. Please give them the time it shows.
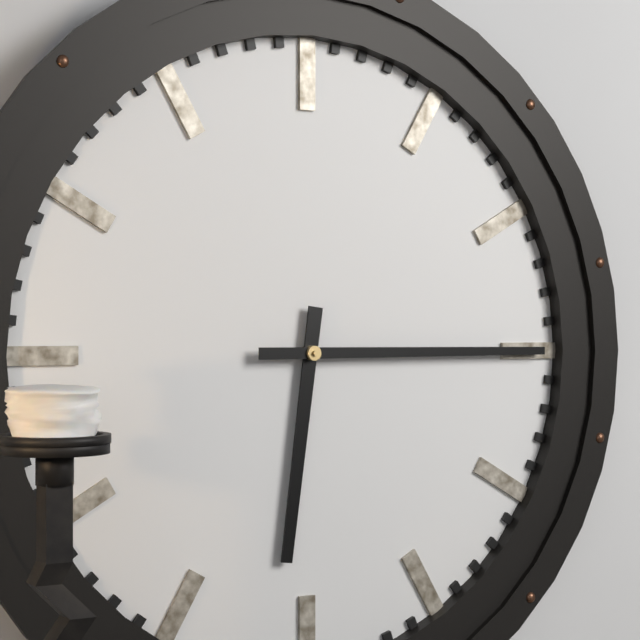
6:15
